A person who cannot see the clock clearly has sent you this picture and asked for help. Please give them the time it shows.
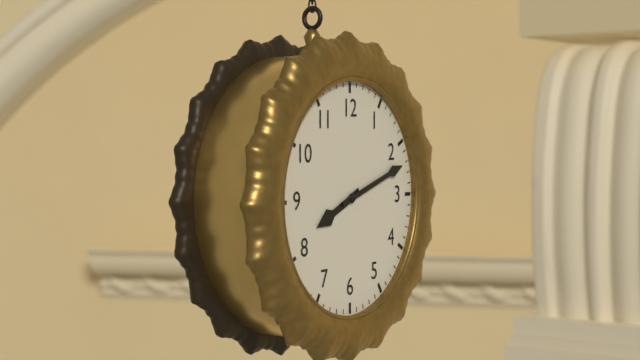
8:12
